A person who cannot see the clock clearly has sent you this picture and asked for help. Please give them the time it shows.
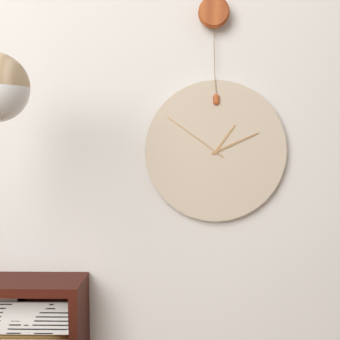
1:11:51
